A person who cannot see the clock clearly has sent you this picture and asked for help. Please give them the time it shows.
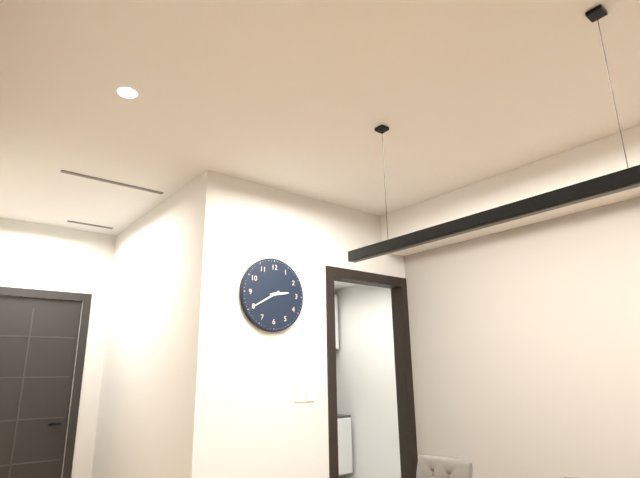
2:40
